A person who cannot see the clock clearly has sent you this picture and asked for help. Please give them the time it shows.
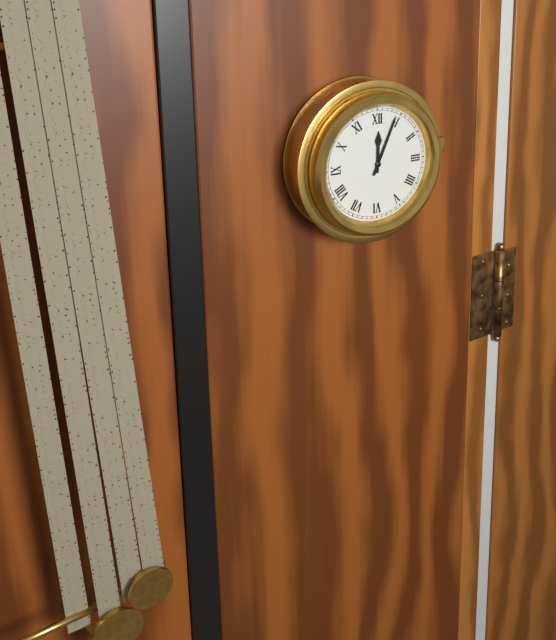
12:04
